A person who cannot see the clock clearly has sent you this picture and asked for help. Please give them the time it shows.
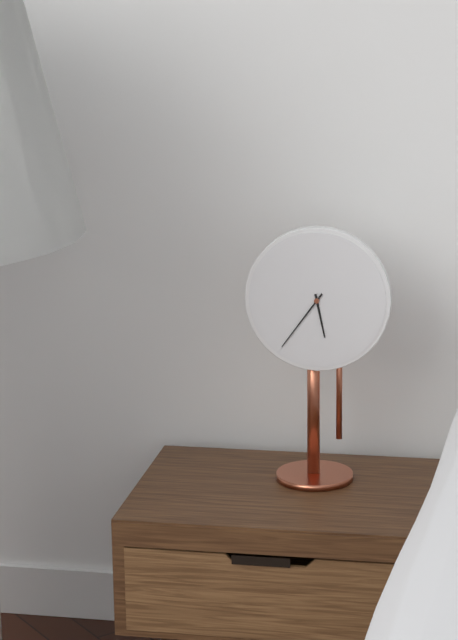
5:36
